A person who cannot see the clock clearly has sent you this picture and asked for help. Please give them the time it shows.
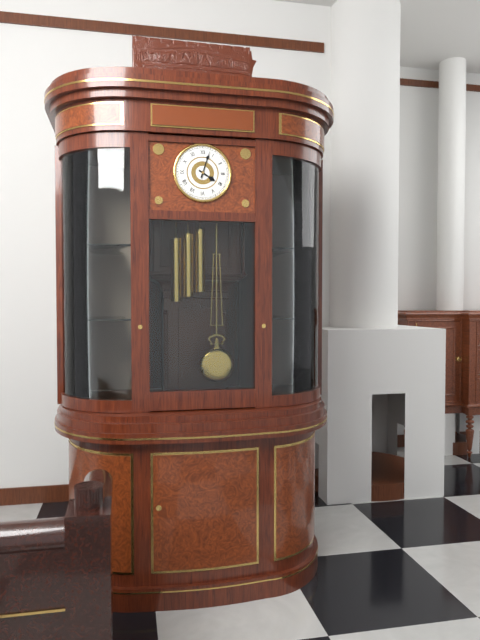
4:03
